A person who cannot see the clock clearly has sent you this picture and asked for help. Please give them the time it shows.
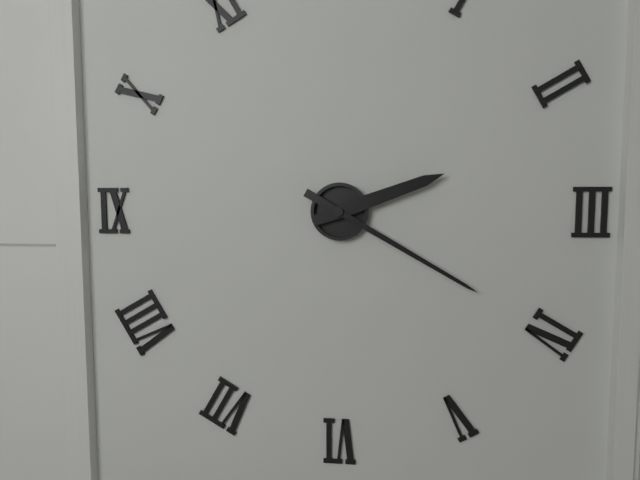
2:20
